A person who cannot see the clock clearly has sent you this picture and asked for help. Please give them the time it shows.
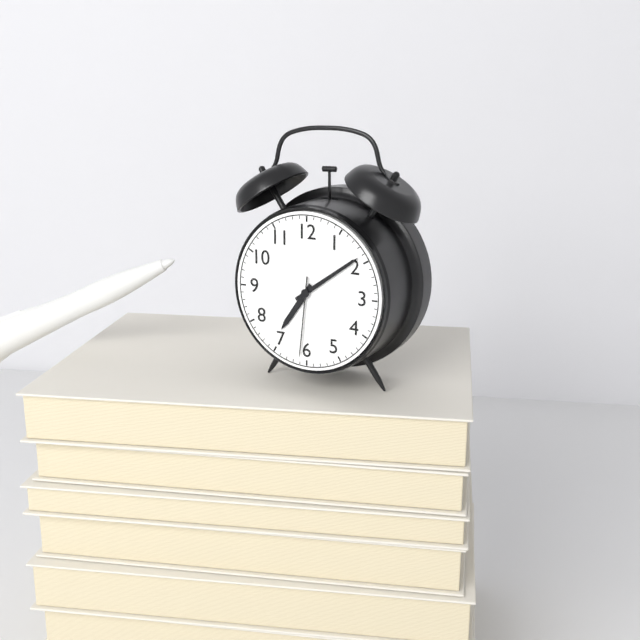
7:09:31
